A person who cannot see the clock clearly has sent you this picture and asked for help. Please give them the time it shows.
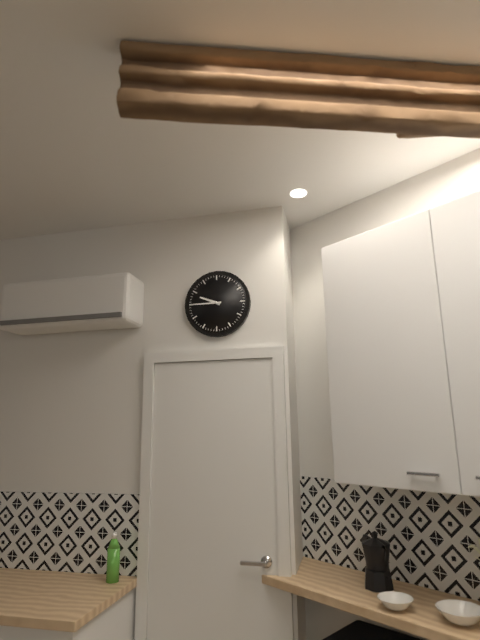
9:45
